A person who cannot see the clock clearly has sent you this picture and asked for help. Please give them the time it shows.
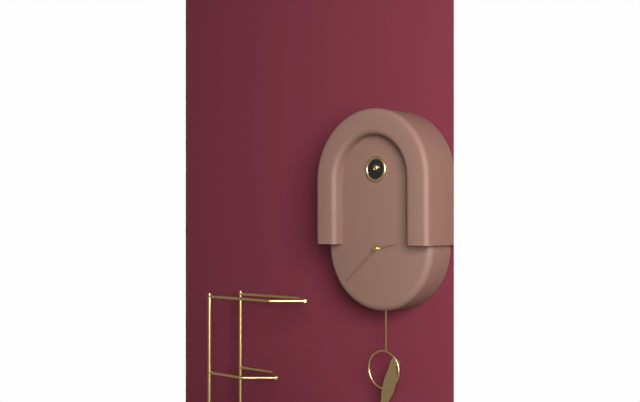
2:38
